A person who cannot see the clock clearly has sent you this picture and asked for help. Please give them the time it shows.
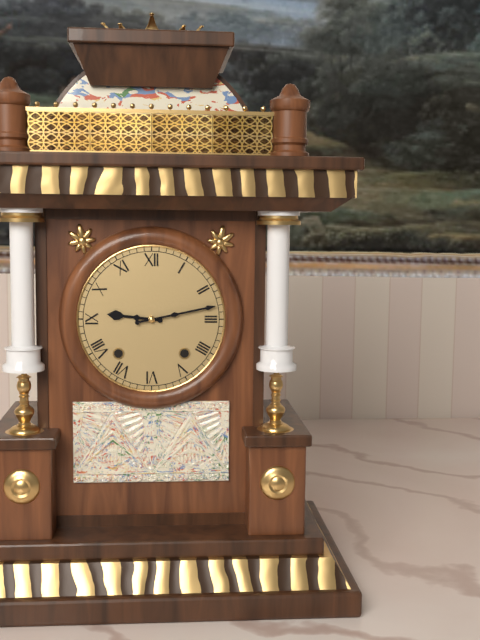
9:13
